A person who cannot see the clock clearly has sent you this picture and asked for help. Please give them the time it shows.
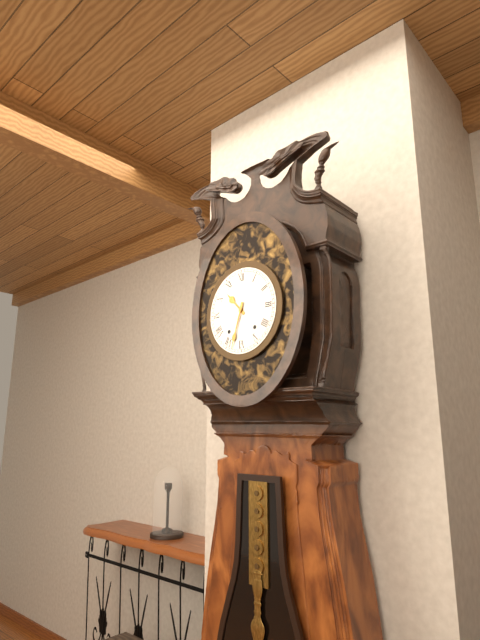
10:33
